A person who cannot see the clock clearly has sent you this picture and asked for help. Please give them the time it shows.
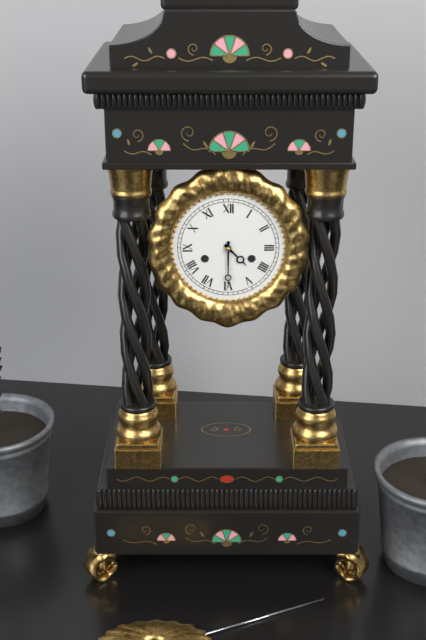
4:30
